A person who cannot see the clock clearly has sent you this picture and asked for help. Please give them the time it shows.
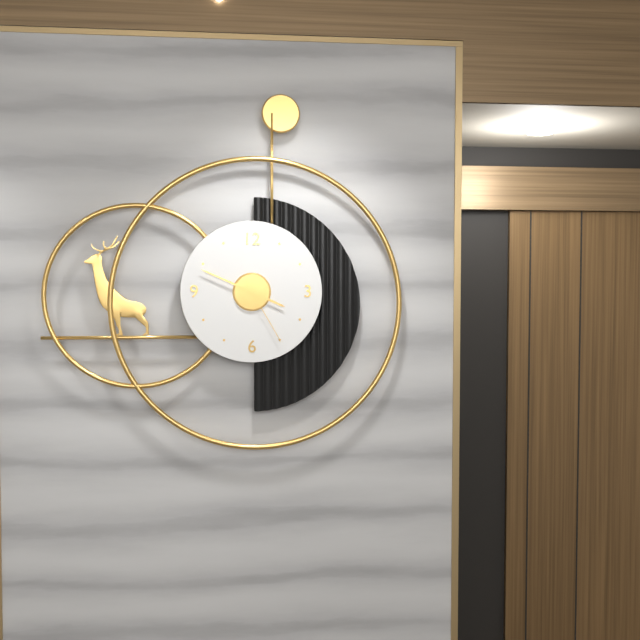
3:49:25
